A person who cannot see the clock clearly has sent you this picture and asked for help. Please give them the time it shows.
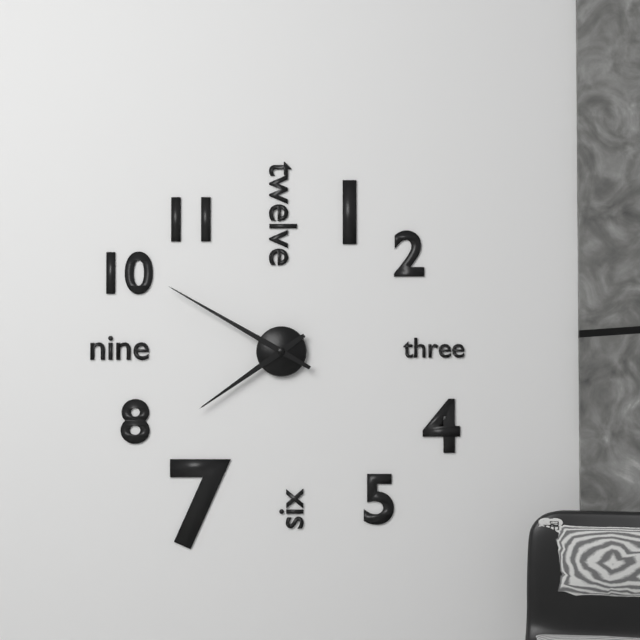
7:50
